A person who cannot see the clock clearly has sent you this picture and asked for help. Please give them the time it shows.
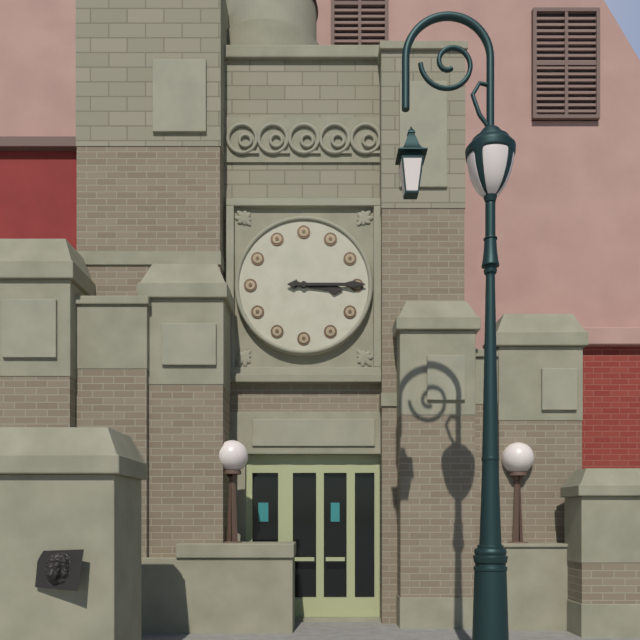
3:15
